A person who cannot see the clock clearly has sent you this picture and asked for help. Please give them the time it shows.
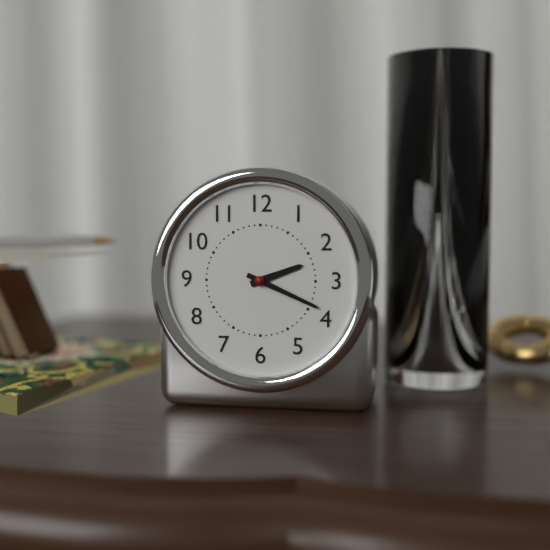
2:19
